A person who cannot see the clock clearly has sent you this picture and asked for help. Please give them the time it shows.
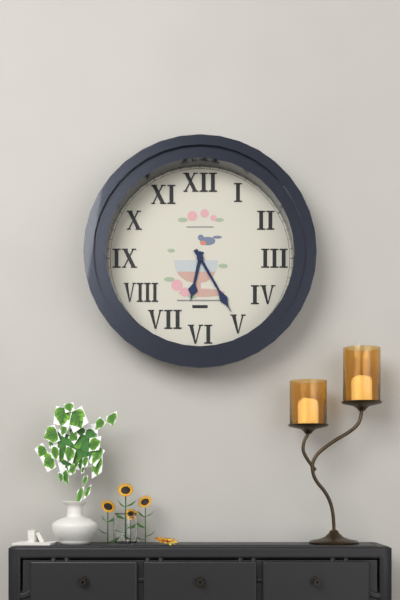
6:25
